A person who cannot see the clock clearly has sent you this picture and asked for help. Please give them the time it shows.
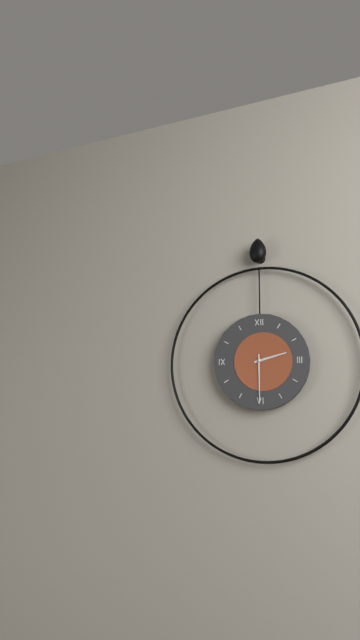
2:30
